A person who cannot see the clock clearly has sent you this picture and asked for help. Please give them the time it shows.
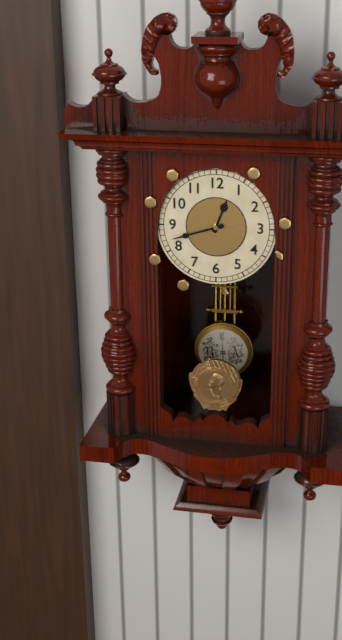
12:42
